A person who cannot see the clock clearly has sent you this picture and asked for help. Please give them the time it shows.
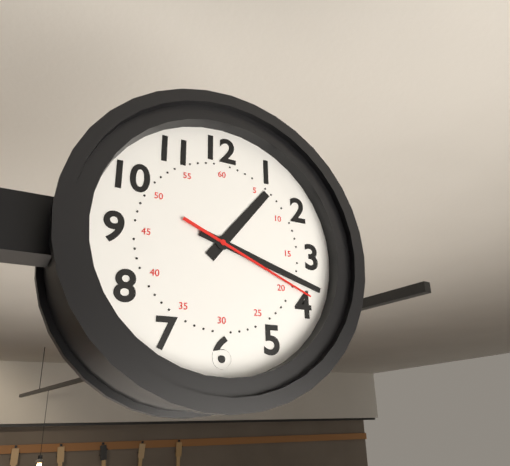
1:18:19
